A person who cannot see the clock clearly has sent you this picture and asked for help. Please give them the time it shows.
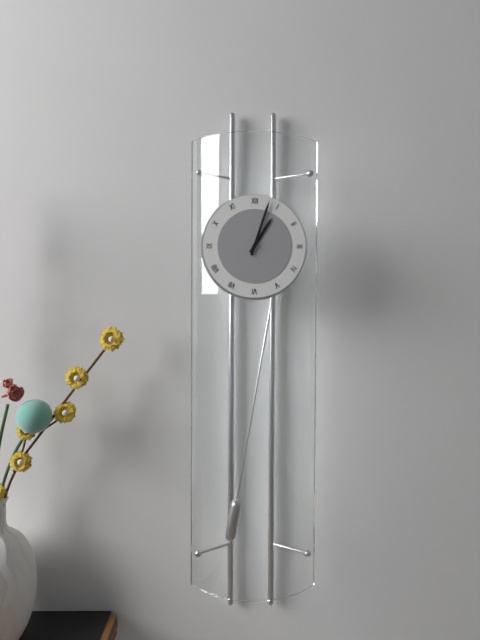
1:03
